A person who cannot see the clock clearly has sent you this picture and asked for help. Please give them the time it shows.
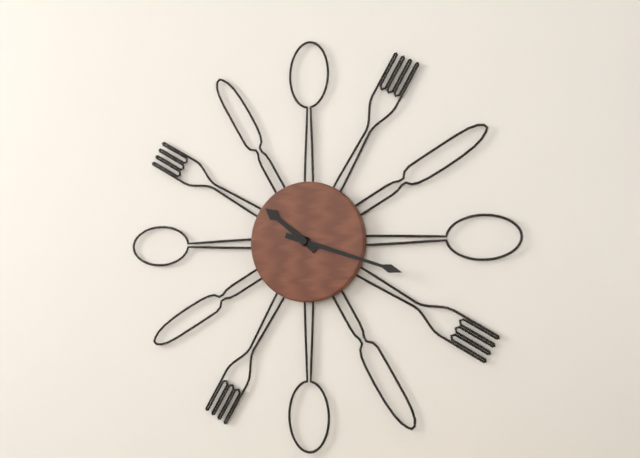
10:18
